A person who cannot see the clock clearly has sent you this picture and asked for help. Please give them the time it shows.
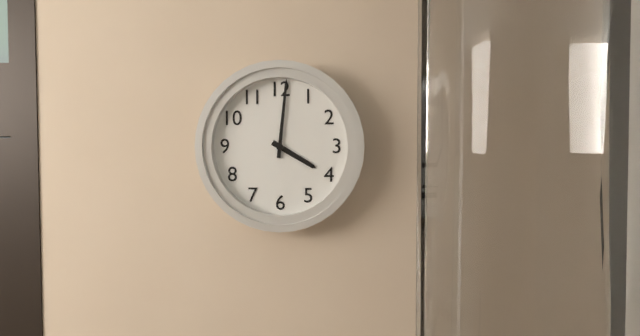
4:01
